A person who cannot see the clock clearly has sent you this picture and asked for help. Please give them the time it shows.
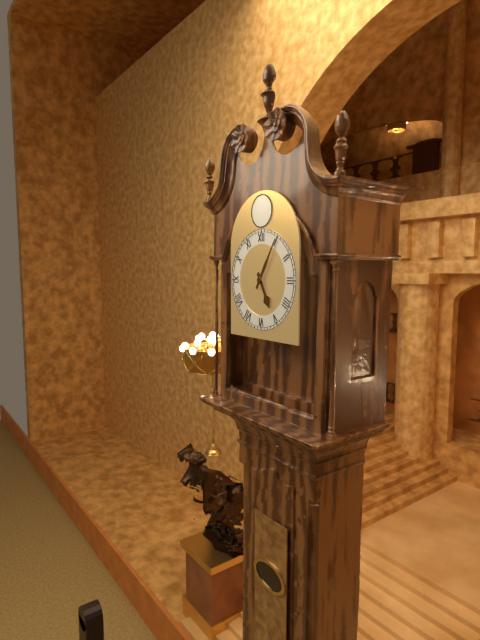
5:05
